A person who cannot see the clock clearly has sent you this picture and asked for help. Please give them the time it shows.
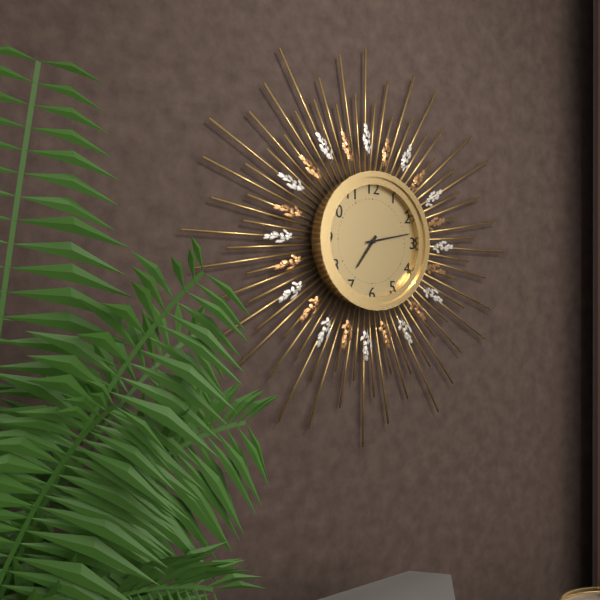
7:13
